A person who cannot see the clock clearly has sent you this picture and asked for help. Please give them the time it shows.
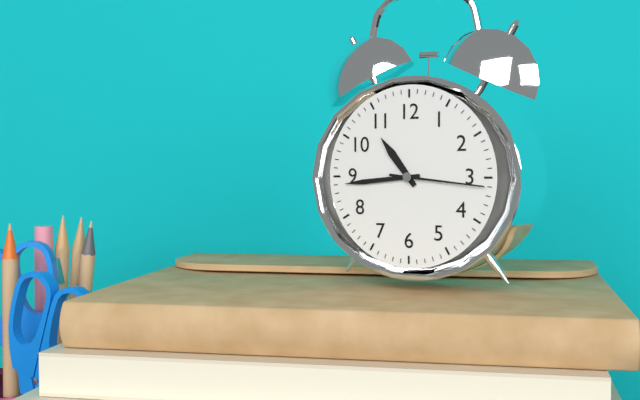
10:44:16
